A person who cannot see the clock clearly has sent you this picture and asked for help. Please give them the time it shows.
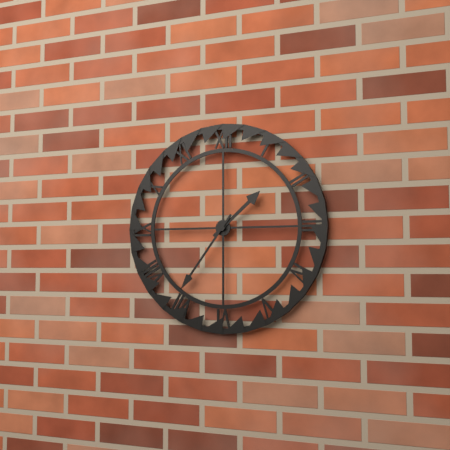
1:36
